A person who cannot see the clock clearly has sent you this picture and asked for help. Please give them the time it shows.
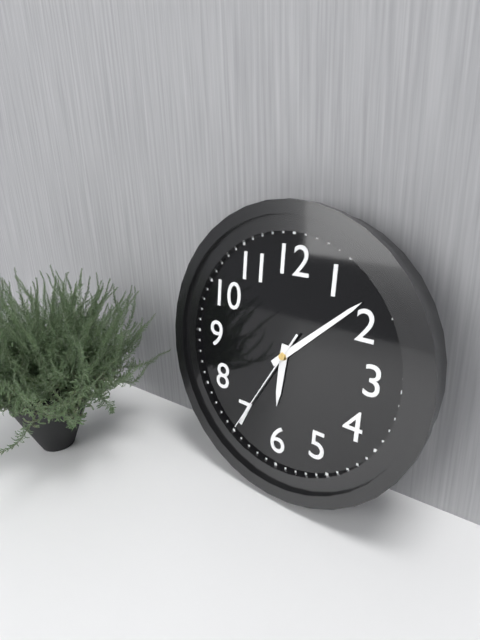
6:08:35
